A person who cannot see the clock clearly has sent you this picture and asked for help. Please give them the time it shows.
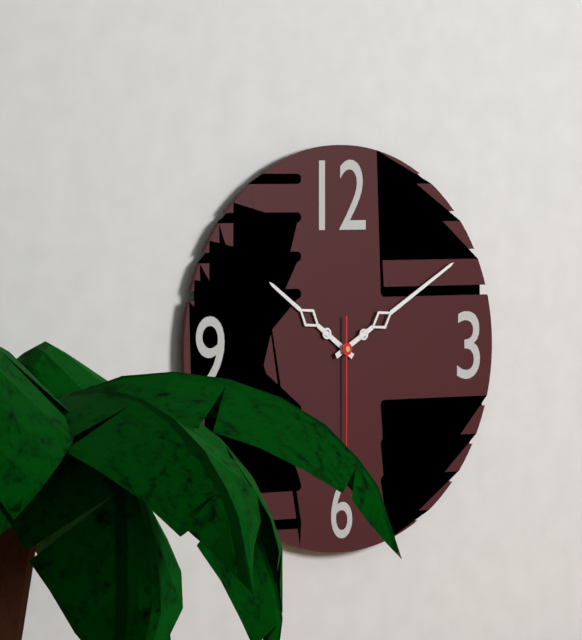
10:10:30
